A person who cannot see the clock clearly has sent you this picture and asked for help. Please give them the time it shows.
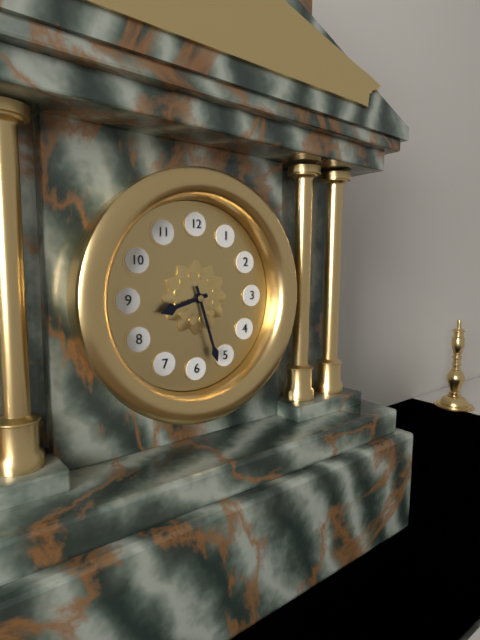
8:27
